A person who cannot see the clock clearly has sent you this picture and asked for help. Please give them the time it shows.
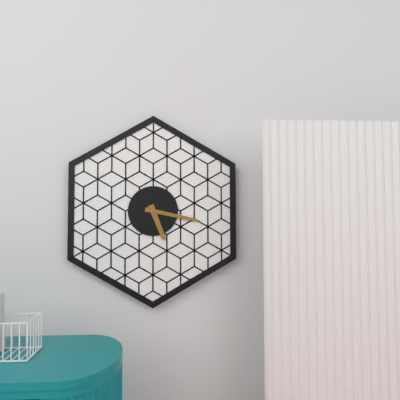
5:17
